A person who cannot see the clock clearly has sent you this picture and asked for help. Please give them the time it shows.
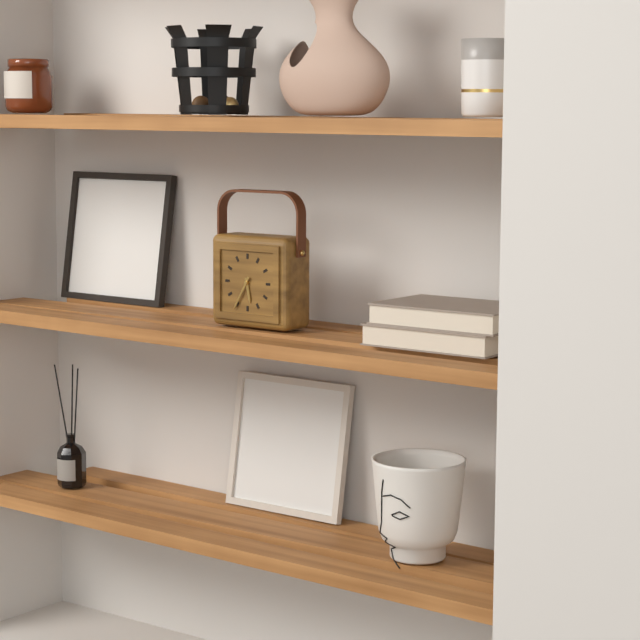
5:35
